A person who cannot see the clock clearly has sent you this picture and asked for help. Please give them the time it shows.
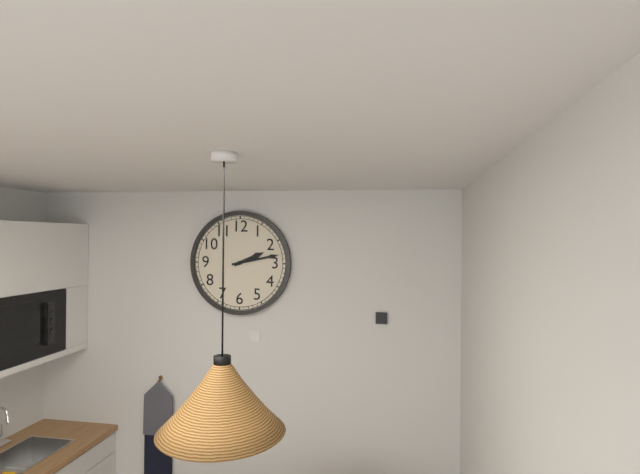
2:13
